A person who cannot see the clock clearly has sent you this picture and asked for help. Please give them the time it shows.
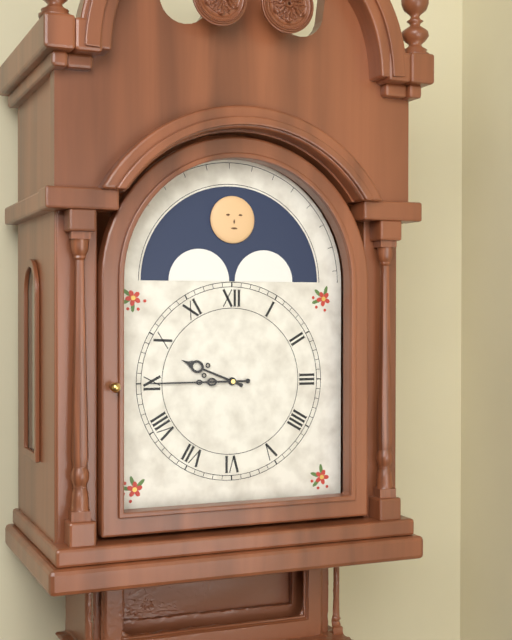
9:45
